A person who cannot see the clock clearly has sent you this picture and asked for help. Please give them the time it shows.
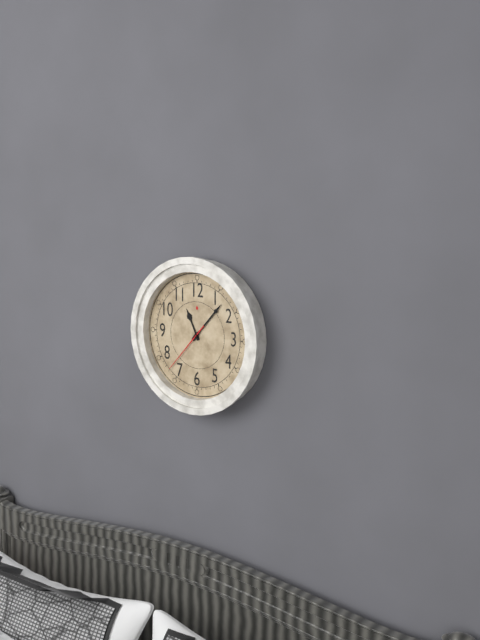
11:07:37
